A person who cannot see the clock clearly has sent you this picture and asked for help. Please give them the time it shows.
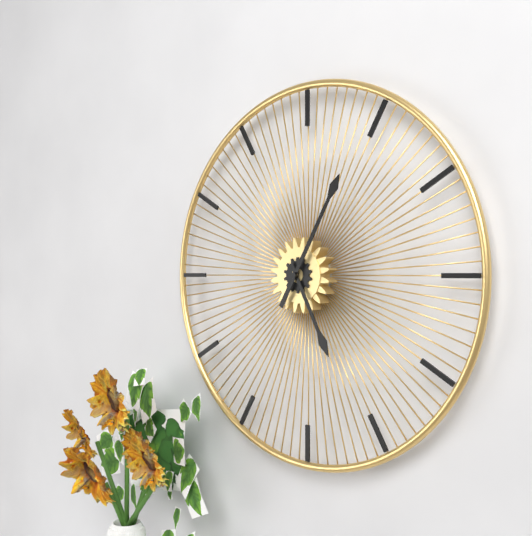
5:05
